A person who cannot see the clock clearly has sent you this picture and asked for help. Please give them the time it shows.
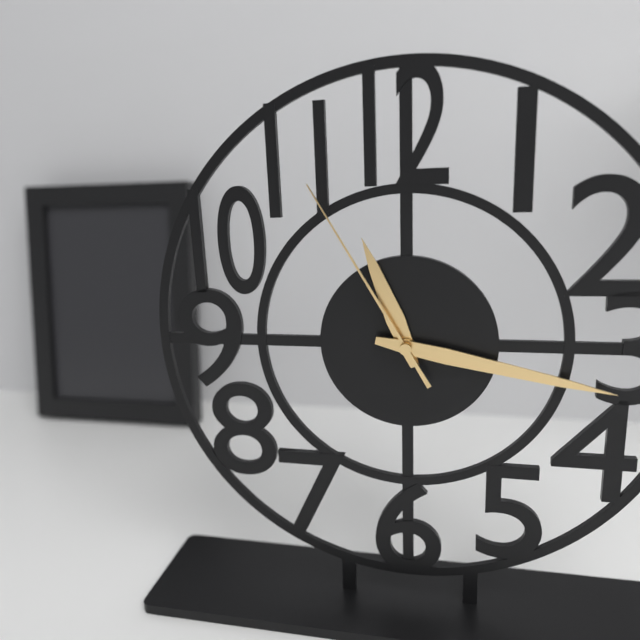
11:17:55
